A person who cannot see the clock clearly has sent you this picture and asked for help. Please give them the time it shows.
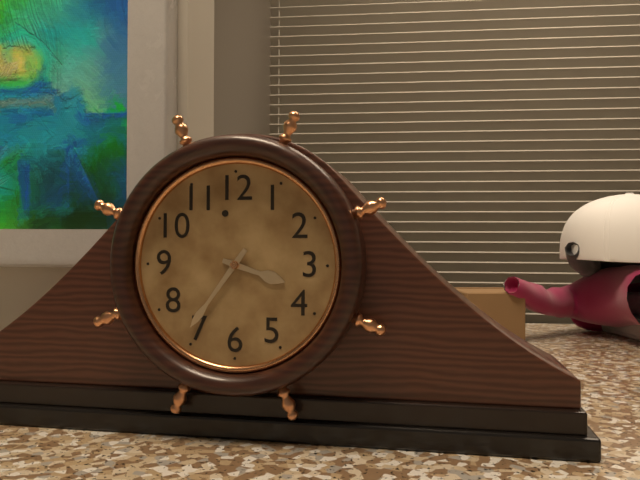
3:36
